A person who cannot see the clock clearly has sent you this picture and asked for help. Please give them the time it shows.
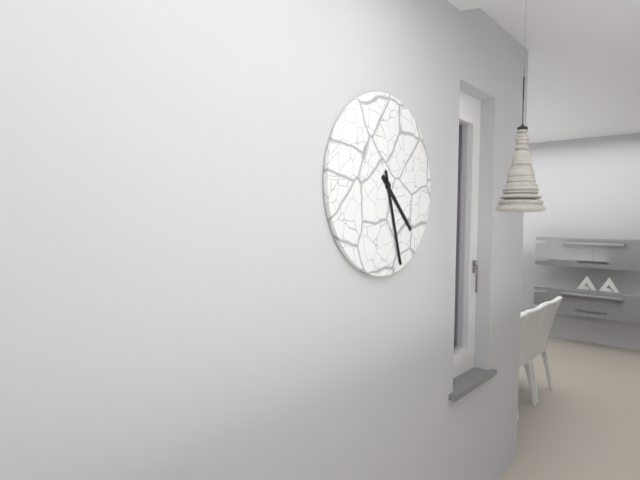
4:27
